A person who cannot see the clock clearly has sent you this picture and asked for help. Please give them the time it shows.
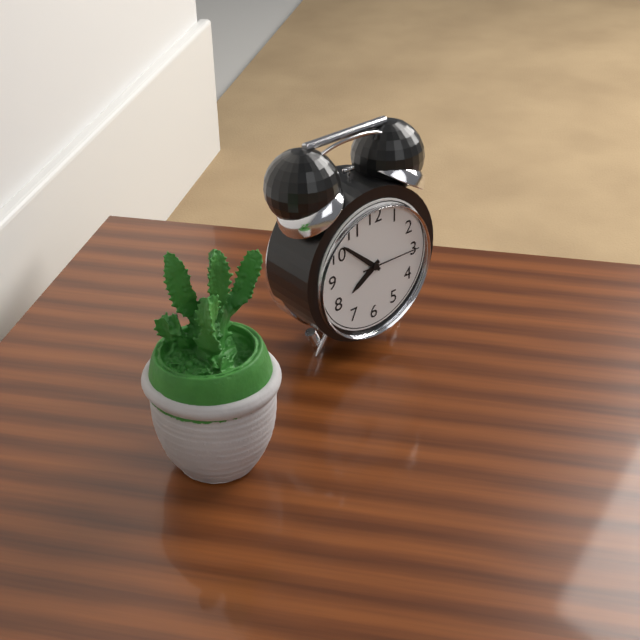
7:52:15
